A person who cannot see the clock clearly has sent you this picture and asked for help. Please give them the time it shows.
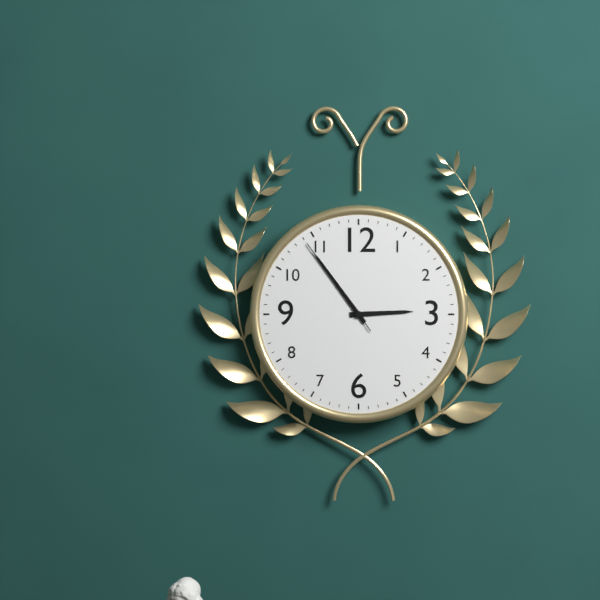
2:54:54
